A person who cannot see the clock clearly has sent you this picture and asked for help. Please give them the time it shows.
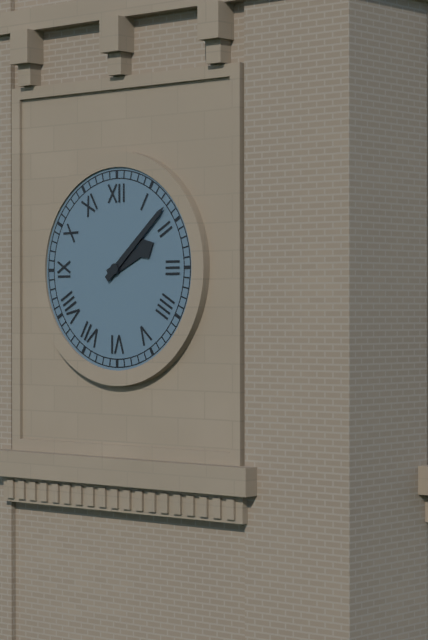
2:08
